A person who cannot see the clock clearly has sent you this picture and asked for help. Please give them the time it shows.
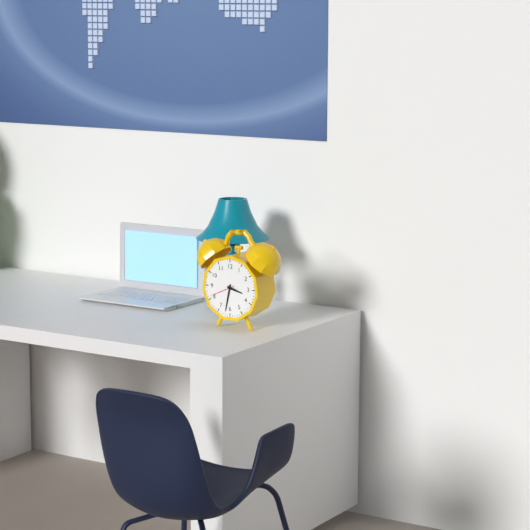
3:32
